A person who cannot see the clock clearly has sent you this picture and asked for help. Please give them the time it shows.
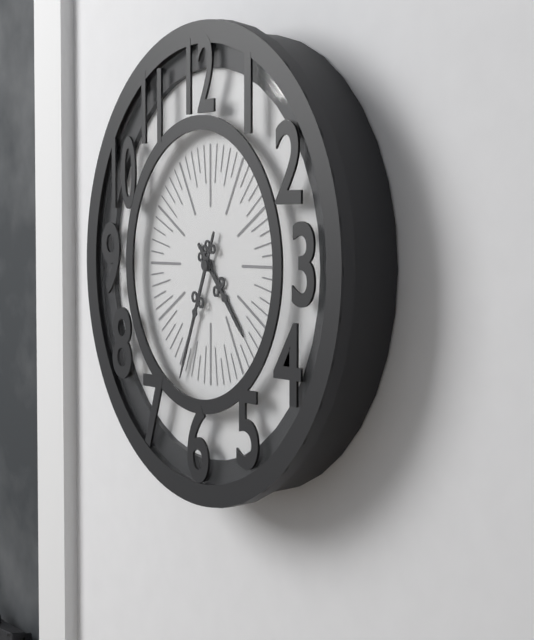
4:34
